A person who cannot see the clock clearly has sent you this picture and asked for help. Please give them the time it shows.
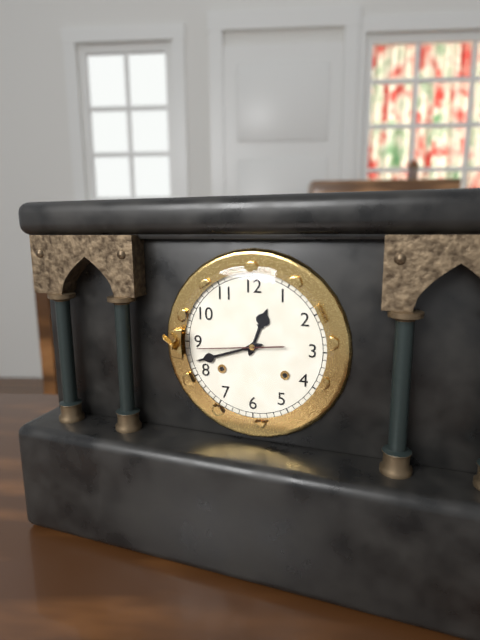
12:42:44
